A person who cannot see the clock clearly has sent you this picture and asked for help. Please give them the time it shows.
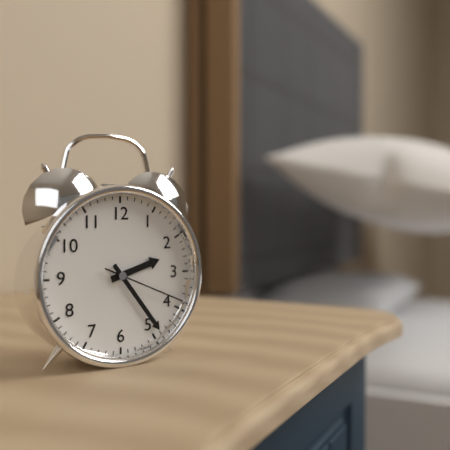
2:24:19
